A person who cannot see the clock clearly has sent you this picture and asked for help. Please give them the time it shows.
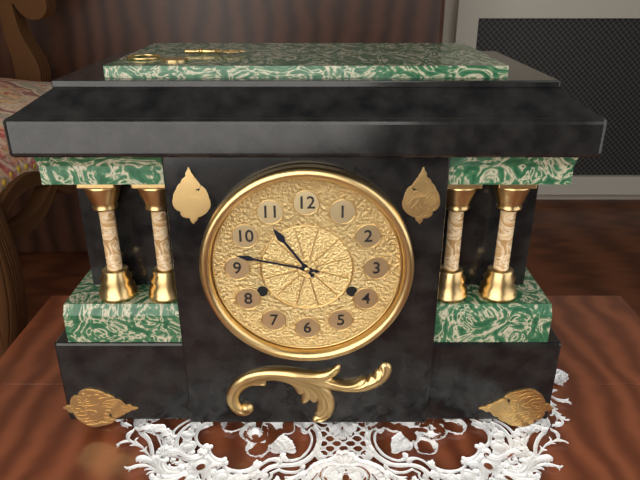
10:47
